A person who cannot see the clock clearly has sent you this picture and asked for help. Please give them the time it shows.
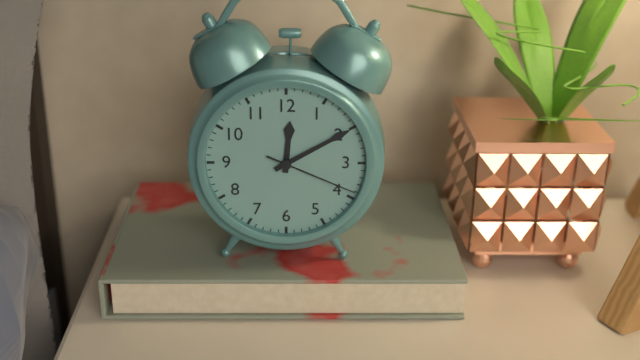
12:10:19
